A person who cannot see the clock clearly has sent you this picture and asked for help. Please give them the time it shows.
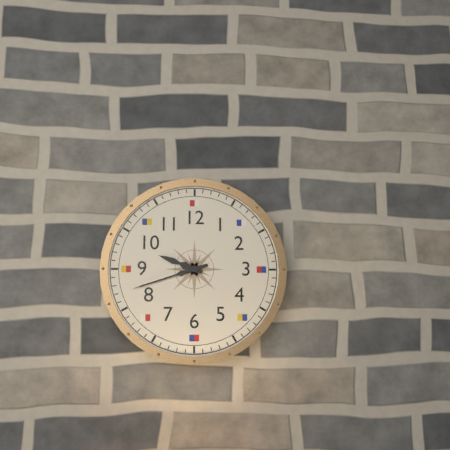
9:42
